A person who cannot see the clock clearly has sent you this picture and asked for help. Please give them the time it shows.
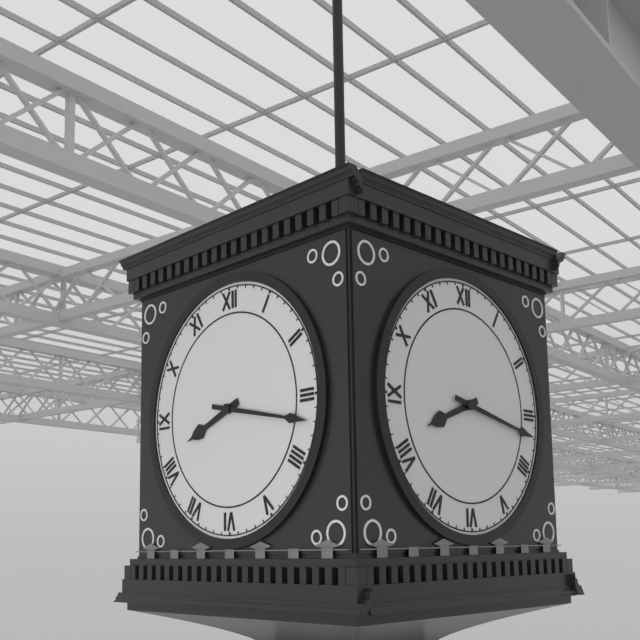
8:17
